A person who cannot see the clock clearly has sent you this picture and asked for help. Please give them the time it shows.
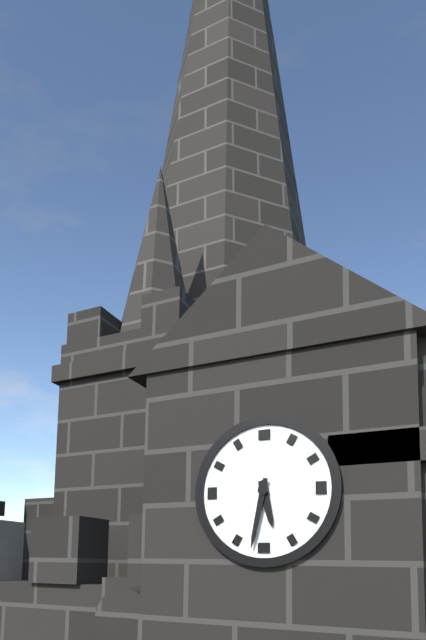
5:32
